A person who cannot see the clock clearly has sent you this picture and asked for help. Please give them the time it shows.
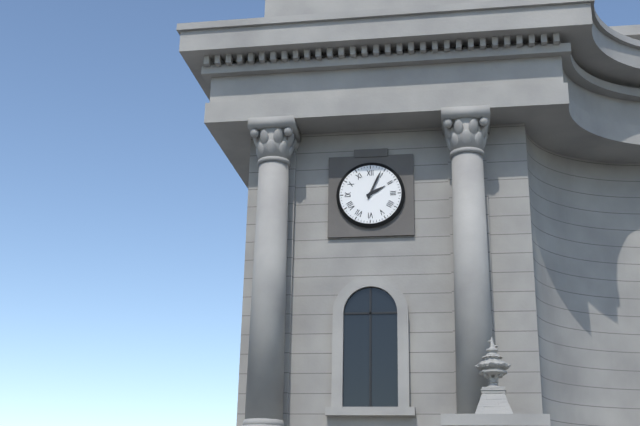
2:04
